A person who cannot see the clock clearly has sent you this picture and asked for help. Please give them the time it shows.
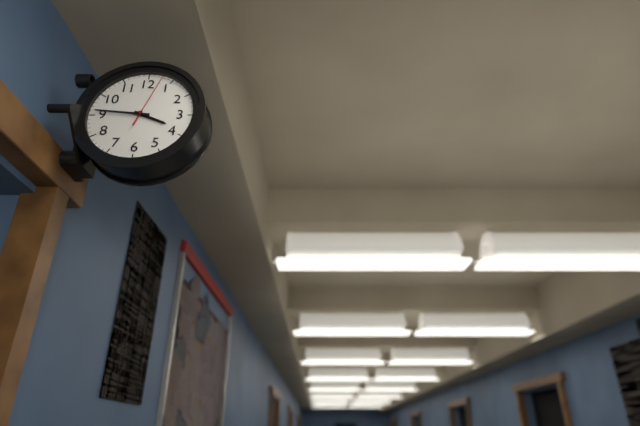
3:46:03
